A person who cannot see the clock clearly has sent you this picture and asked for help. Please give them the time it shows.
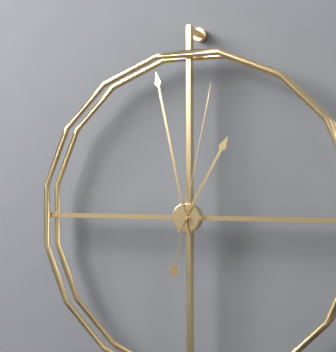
12:58:02
